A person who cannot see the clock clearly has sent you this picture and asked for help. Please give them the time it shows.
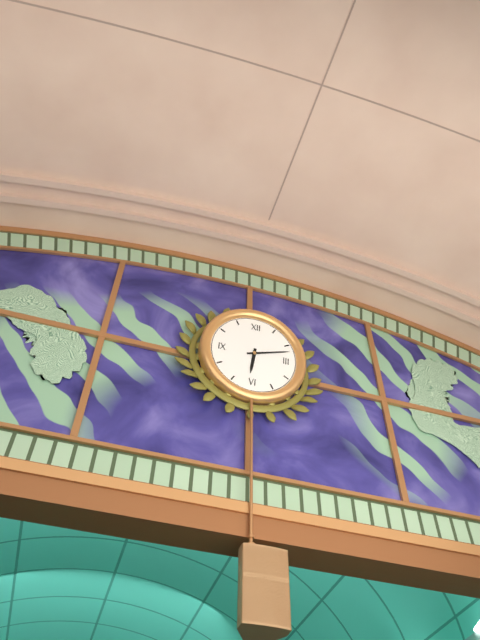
6:12
